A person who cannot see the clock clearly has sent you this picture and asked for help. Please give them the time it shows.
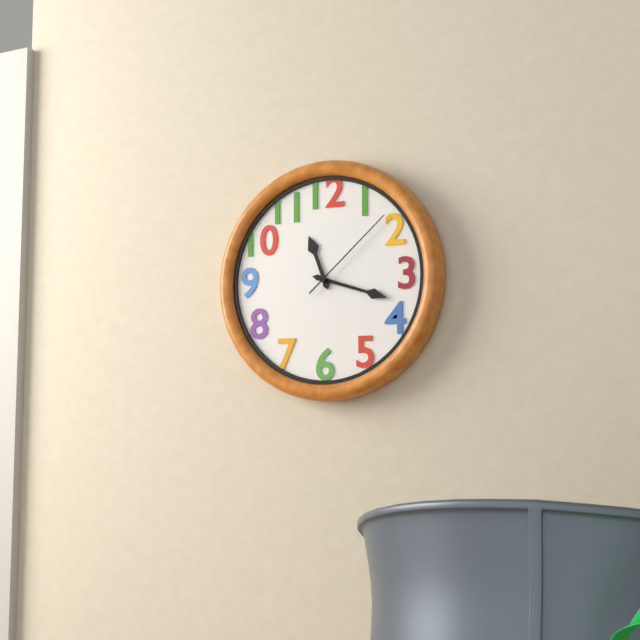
11:18:08
